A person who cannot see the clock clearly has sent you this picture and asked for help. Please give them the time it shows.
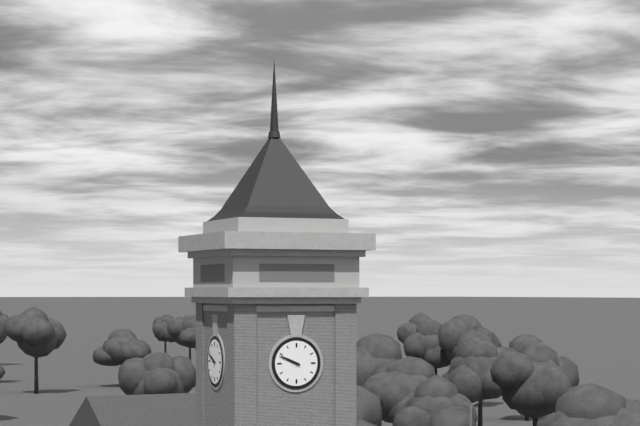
9:49
